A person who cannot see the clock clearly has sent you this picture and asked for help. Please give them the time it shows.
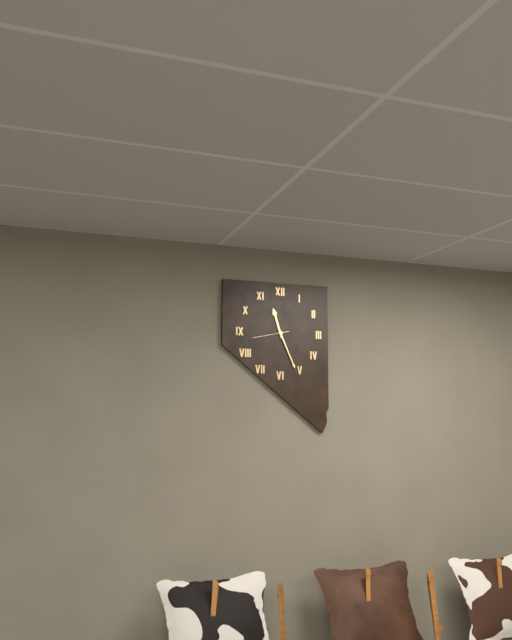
11:26
